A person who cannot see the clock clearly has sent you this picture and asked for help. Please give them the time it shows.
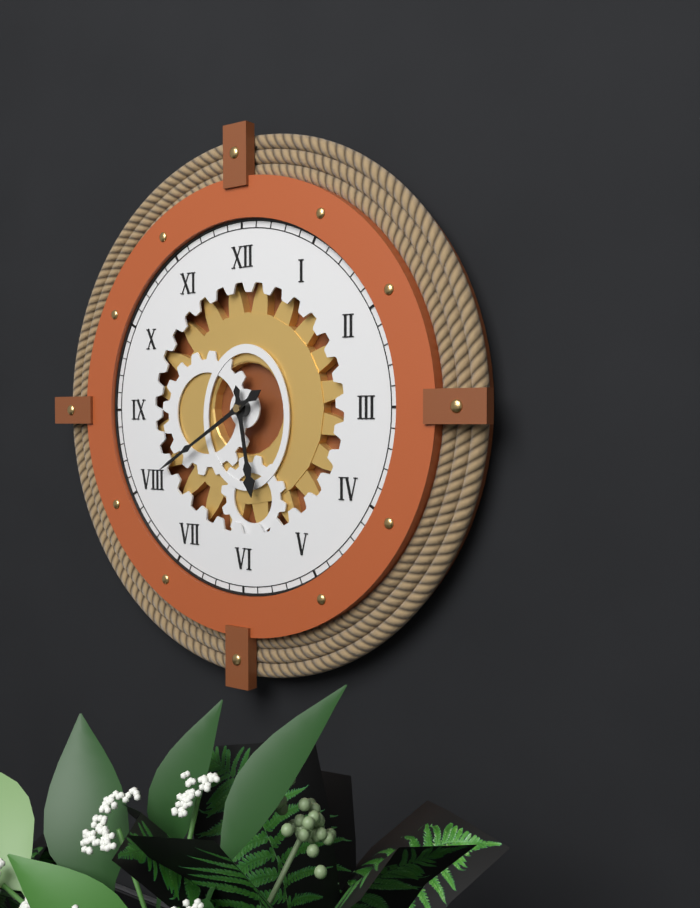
5:40
